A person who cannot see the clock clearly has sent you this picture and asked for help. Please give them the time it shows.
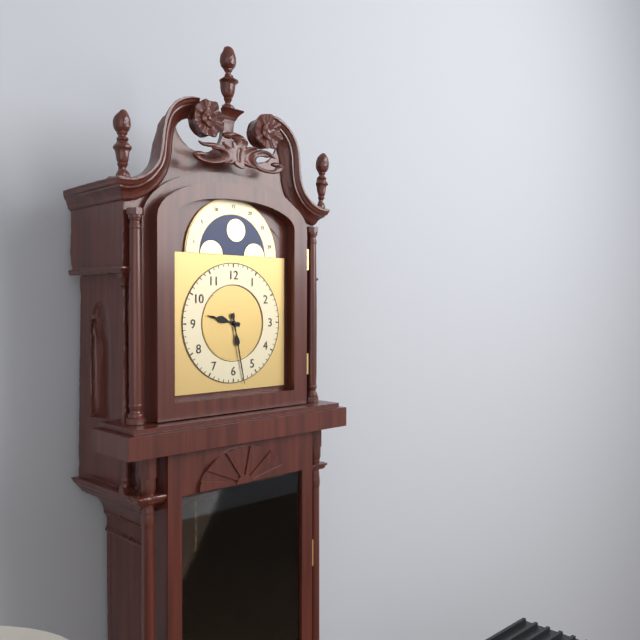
9:28
